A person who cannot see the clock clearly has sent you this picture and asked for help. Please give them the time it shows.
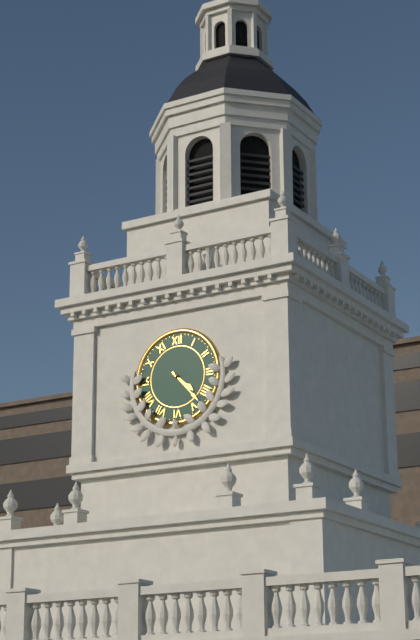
4:23
